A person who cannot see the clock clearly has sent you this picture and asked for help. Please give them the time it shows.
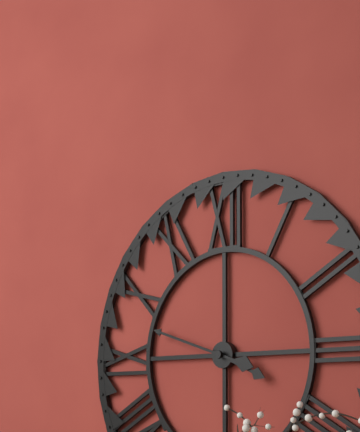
3:48
